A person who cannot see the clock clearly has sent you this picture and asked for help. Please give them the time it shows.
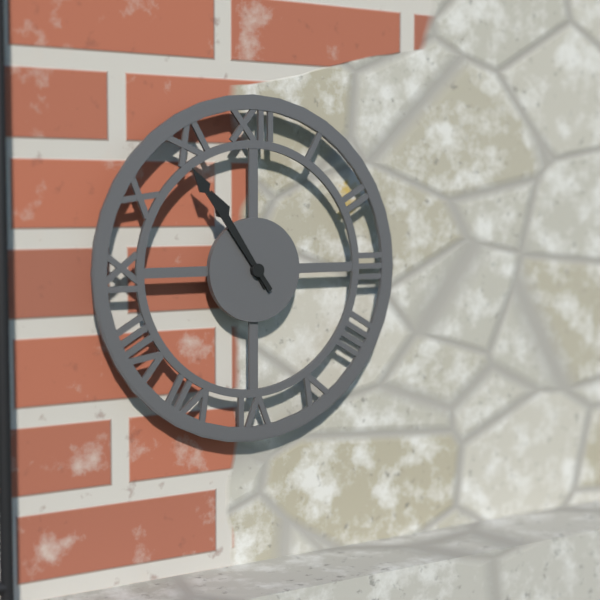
10:54
